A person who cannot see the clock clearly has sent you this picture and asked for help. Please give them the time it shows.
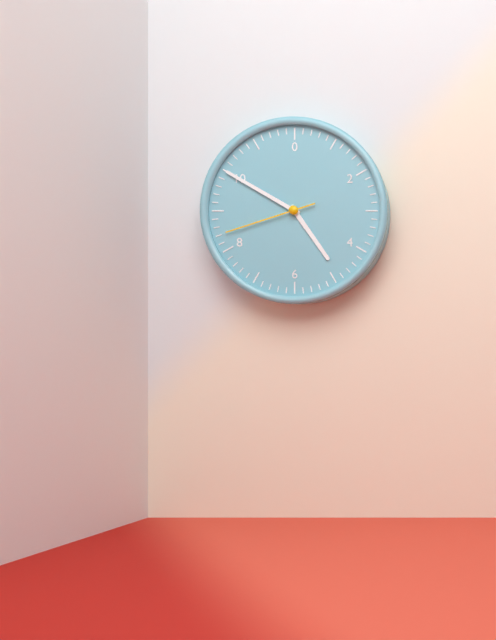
4:50:42
